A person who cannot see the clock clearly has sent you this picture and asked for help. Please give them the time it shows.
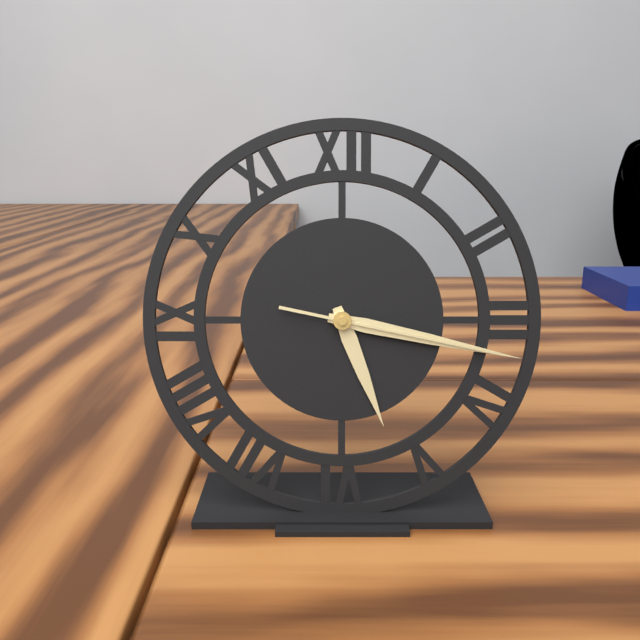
5:17:17
